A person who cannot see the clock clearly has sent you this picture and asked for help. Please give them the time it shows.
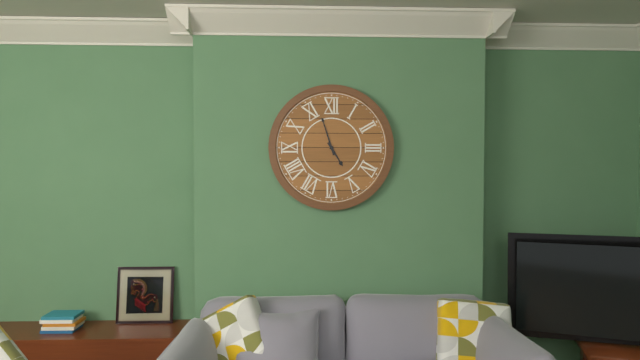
4:57
